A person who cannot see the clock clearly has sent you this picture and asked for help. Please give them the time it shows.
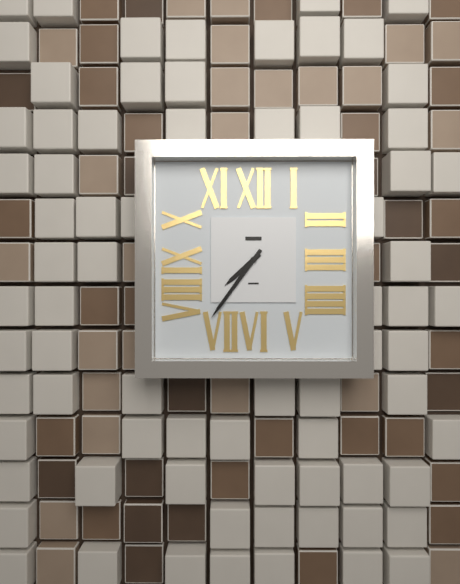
7:36
